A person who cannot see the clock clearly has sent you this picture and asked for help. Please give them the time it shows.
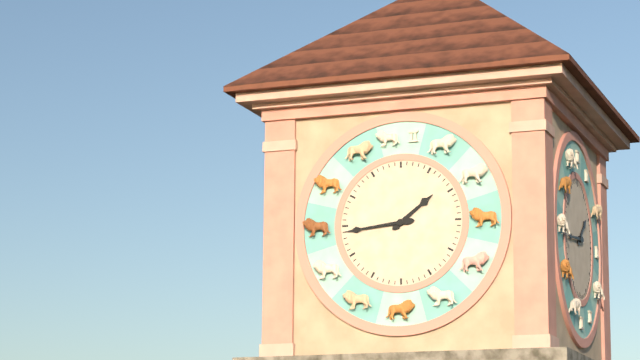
1:44
